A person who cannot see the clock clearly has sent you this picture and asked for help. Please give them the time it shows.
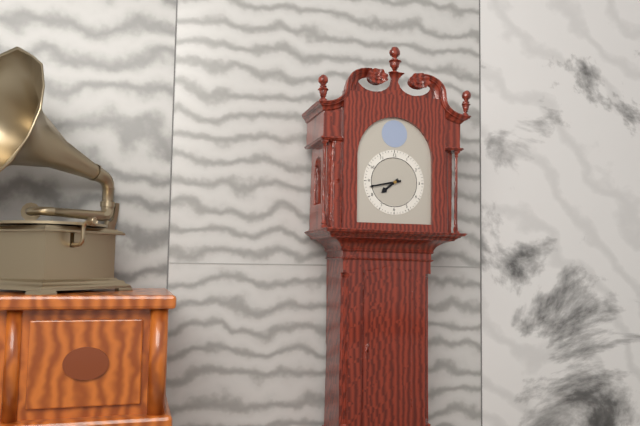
7:43
